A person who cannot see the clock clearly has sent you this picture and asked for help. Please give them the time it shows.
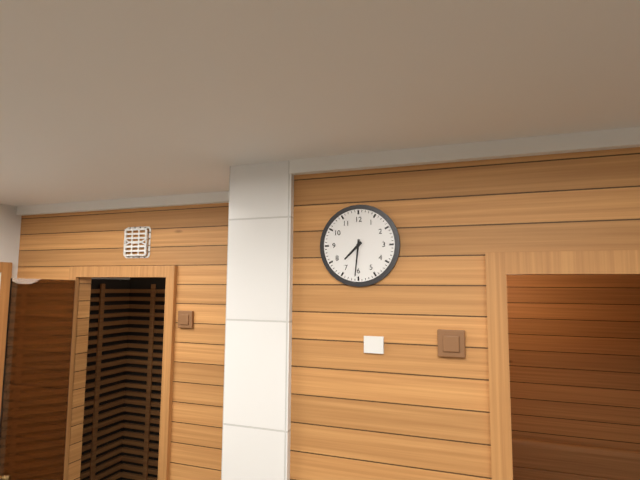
7:31
